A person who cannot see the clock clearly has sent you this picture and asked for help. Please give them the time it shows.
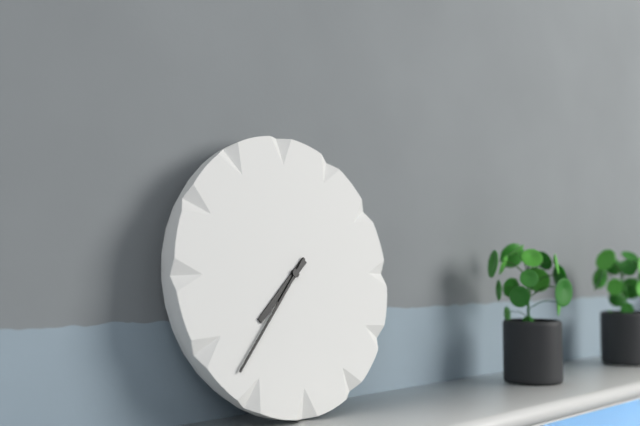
7:37
